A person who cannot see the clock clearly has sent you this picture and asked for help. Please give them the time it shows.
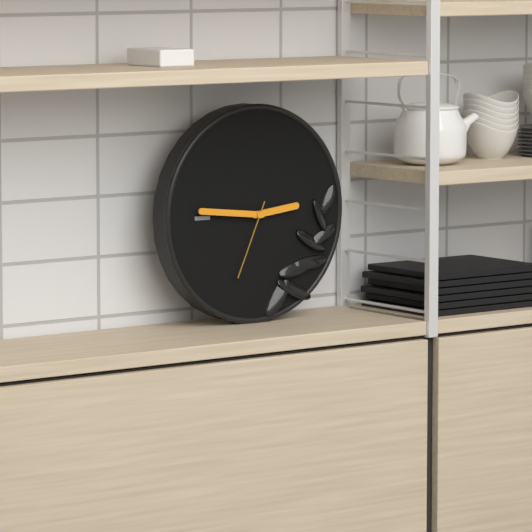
2:46:34
